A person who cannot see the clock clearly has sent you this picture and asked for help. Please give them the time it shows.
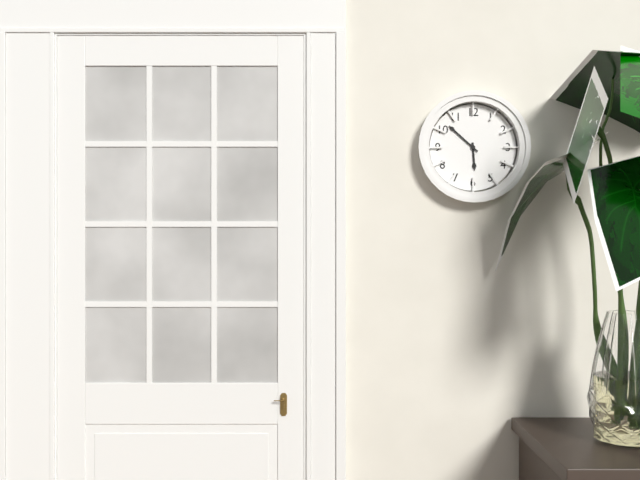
5:52
